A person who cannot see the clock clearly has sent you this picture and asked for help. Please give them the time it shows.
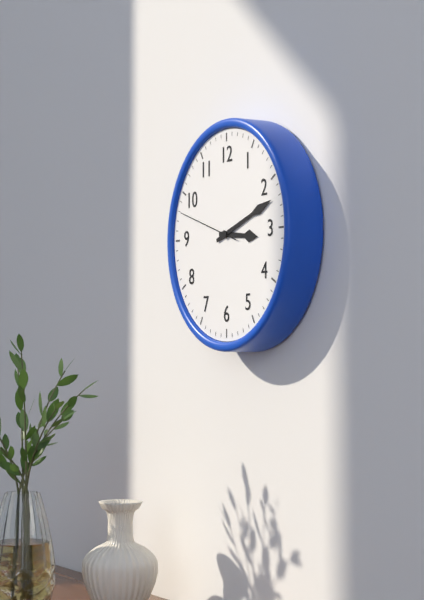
3:12:48
